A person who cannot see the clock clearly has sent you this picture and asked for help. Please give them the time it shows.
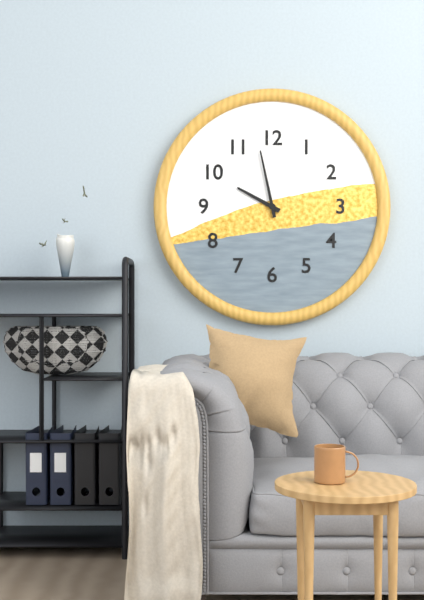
9:58
